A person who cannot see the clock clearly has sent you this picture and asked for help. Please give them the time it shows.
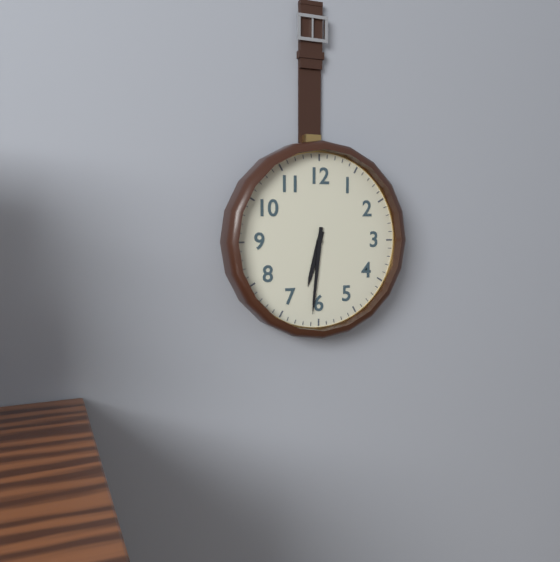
6:31
